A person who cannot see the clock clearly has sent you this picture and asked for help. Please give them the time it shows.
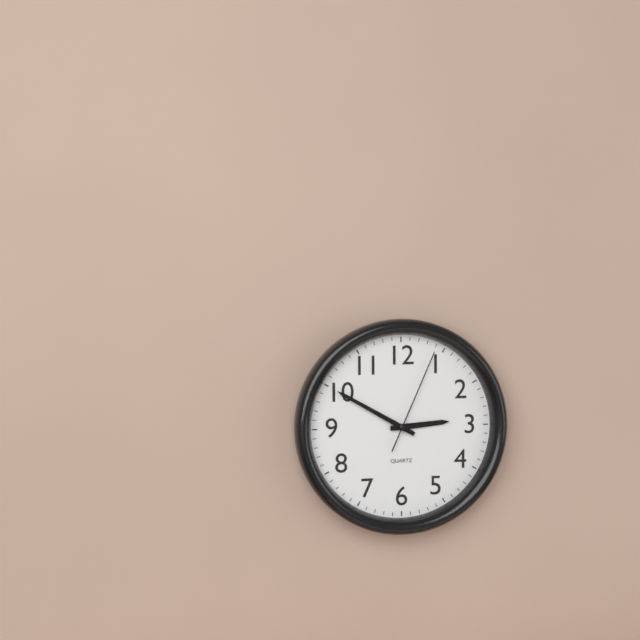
2:50:04
